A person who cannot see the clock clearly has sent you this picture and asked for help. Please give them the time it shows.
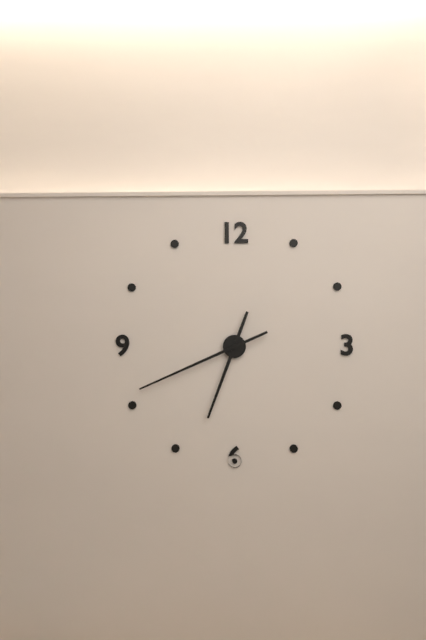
6:41
